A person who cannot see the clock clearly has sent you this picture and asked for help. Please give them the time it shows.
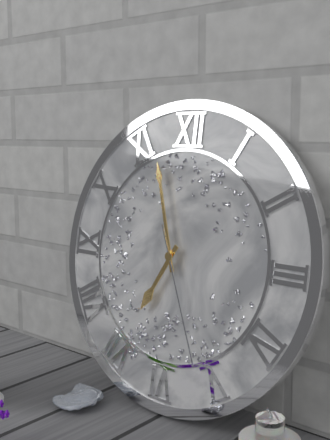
6:57:26
